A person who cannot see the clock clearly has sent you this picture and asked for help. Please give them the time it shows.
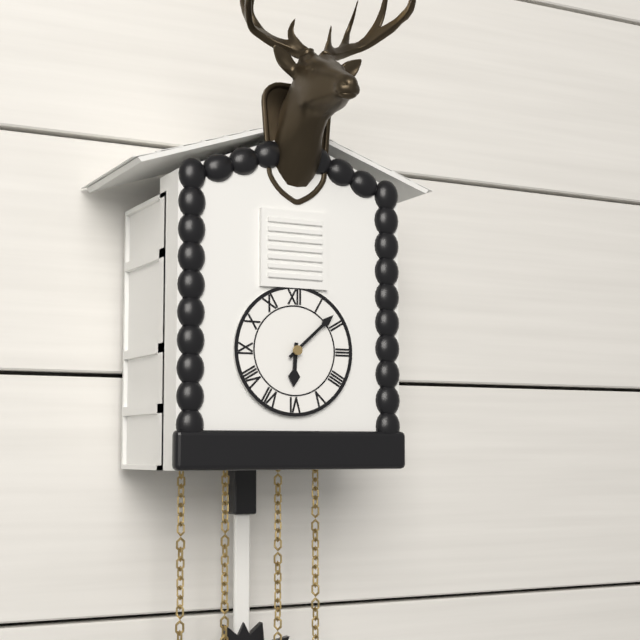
6:08
